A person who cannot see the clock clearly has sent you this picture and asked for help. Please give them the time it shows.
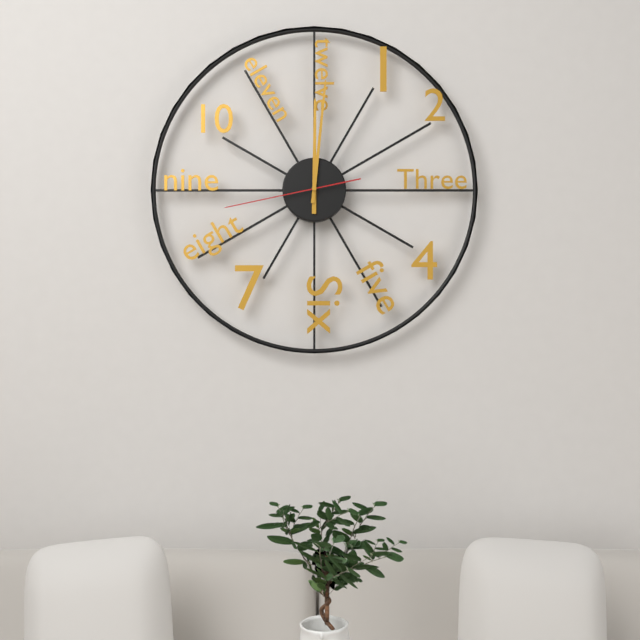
12:01:43
